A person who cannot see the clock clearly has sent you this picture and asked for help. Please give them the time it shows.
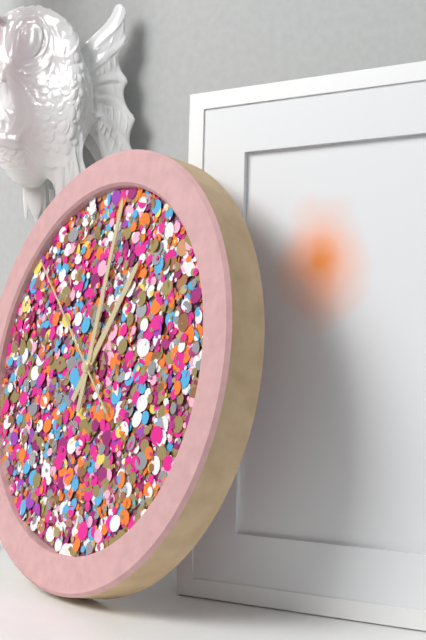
1:01:52
